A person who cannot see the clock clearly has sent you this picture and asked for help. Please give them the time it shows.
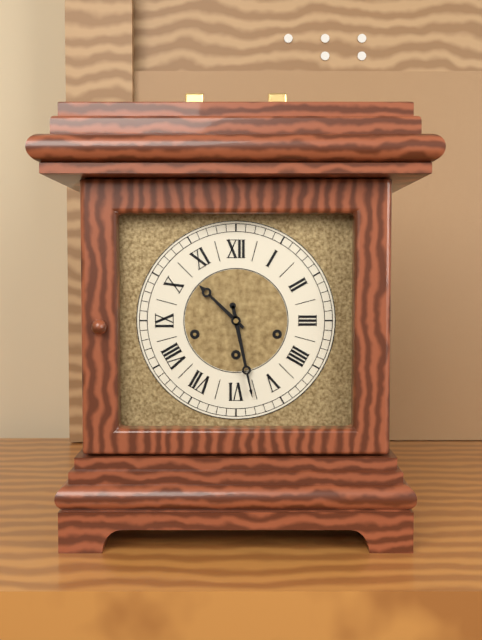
10:28
